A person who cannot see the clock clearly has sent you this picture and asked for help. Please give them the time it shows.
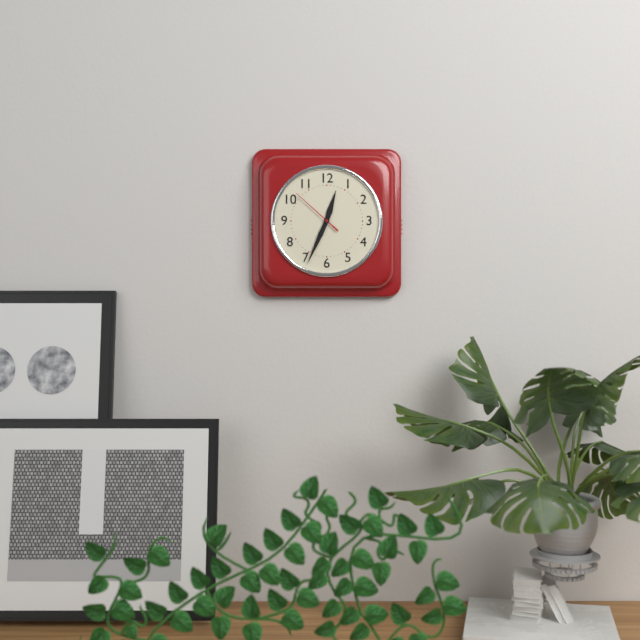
12:34:52
